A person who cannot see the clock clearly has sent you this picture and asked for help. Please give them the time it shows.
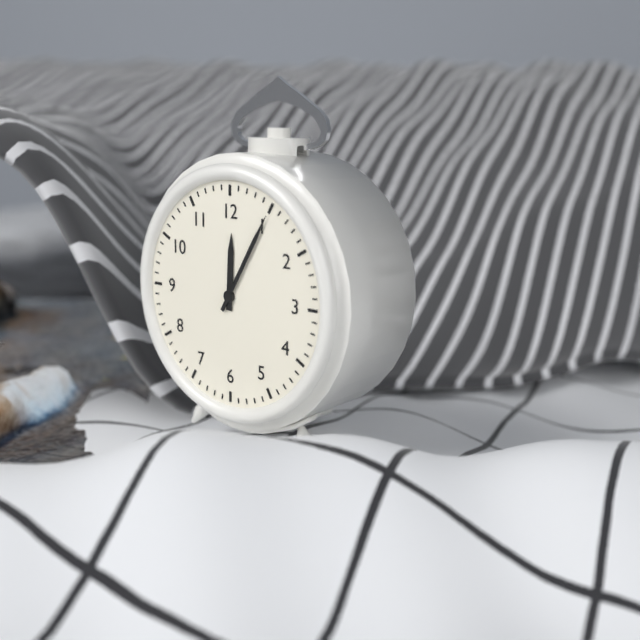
12:05
